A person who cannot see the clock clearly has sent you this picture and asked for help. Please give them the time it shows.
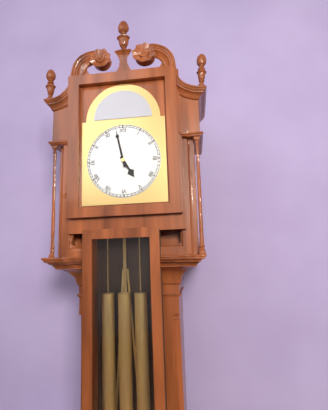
4:58
